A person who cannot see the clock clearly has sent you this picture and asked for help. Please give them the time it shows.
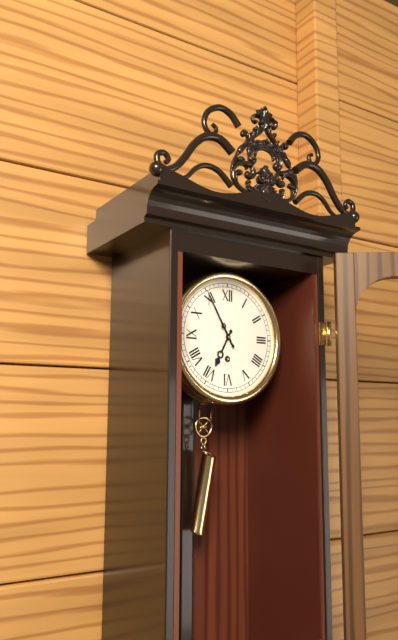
6:55
